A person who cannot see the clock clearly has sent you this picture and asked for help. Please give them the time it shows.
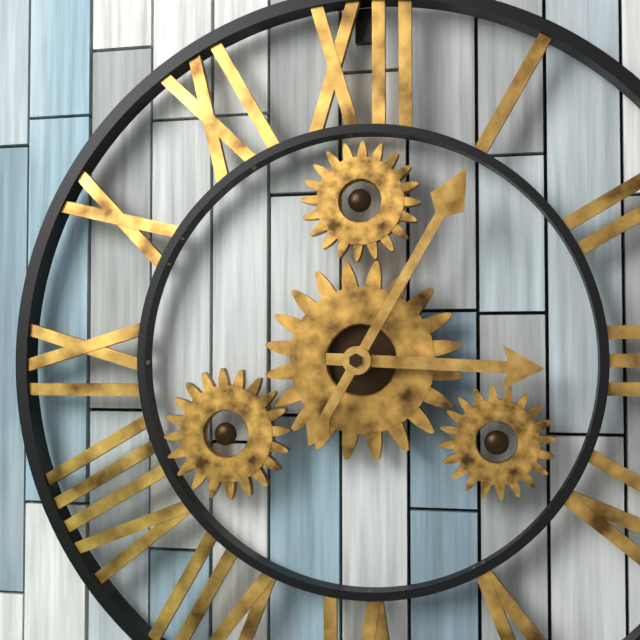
3:05
